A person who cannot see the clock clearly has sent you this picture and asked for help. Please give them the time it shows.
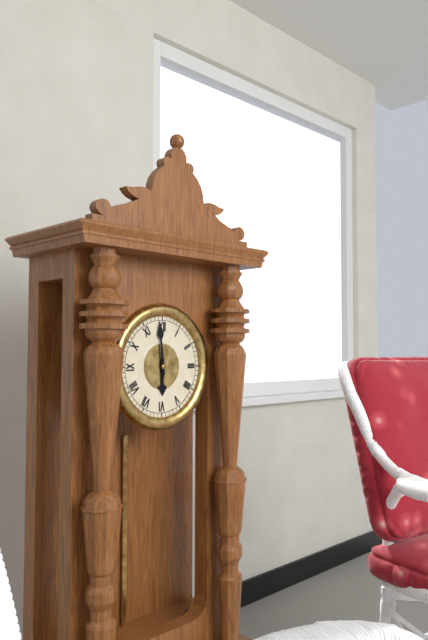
5:59
